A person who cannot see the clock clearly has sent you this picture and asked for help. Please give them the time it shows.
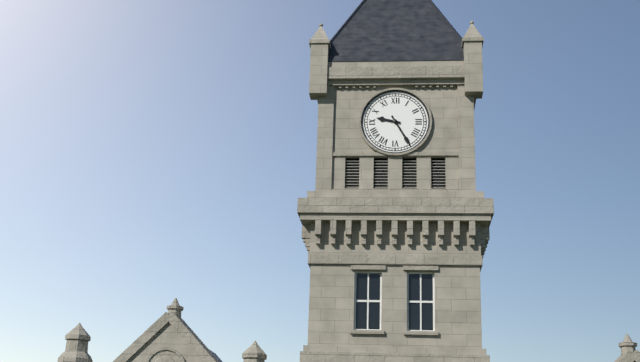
9:25
